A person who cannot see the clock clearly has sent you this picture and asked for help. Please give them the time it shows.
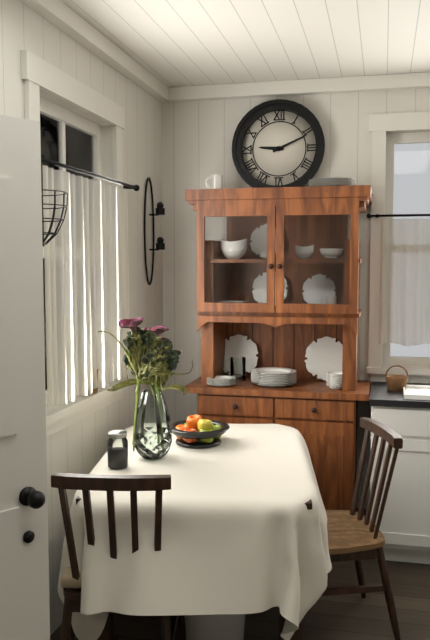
9:11
